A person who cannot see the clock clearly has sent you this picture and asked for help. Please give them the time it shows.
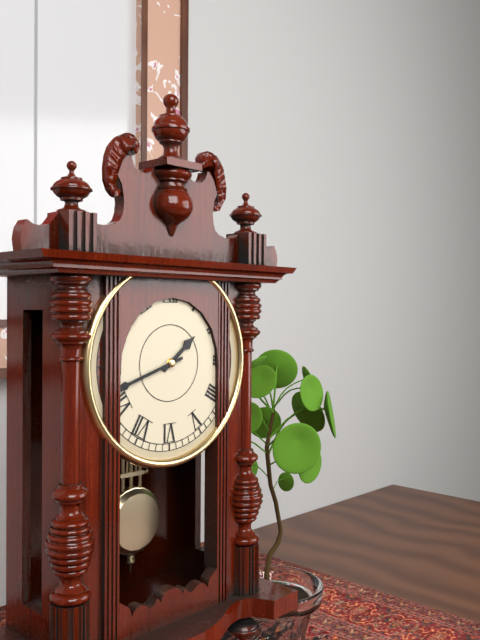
1:42
